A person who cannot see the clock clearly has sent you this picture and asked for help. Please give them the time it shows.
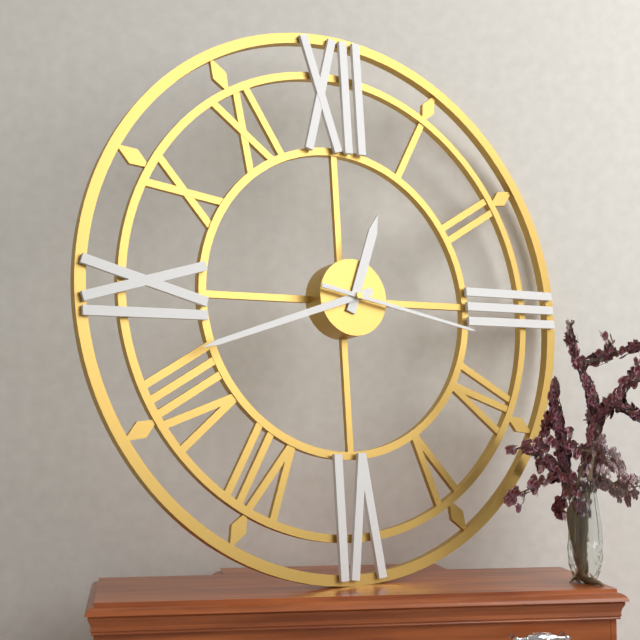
12:42:17
